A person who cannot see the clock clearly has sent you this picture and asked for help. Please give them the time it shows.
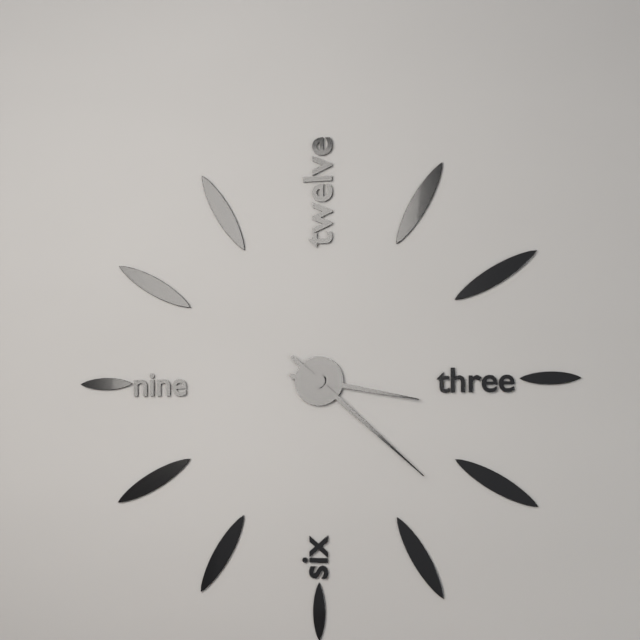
3:22
